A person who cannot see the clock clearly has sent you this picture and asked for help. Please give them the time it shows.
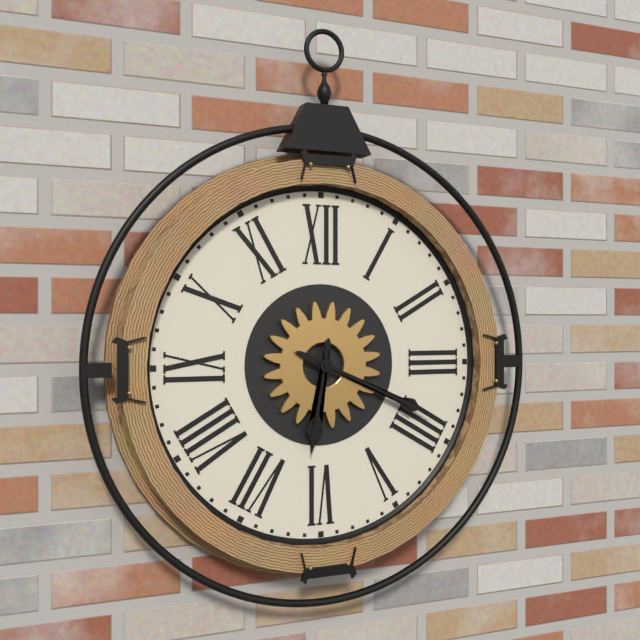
6:19
